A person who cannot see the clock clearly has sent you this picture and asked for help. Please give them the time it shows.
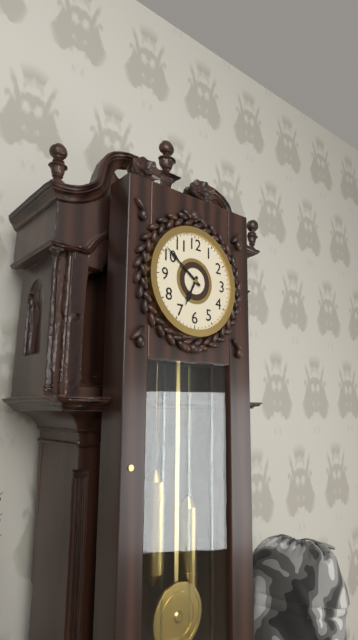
6:51
